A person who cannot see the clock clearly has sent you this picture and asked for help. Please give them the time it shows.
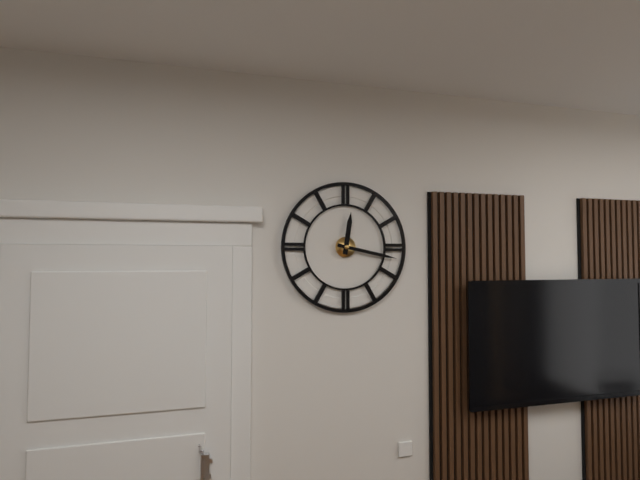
12:17
